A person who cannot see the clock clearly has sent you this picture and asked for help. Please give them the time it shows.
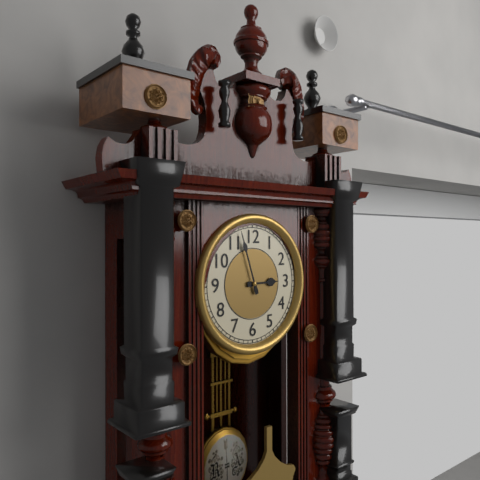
2:57
